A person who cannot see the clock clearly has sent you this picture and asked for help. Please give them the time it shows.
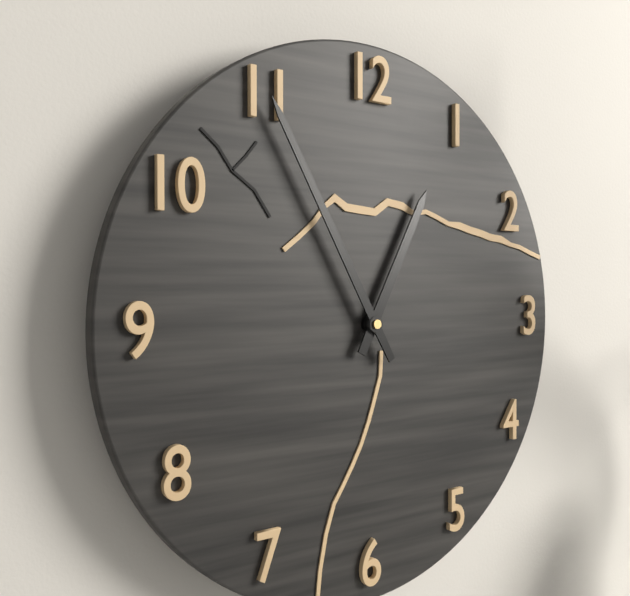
12:55
